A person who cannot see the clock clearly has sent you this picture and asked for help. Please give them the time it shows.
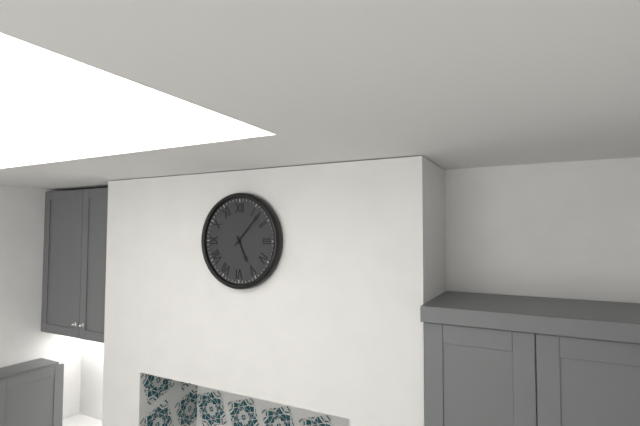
5:07
